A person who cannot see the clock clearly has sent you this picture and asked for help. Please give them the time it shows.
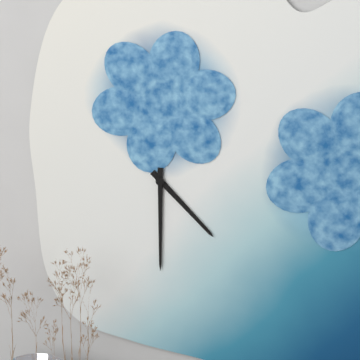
4:30
